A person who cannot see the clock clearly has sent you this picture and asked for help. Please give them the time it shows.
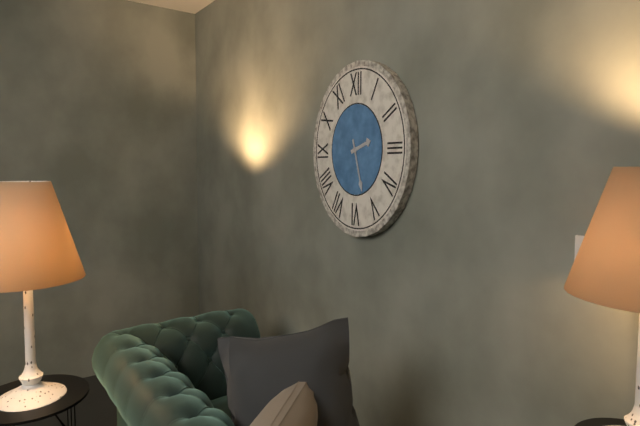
2:27
